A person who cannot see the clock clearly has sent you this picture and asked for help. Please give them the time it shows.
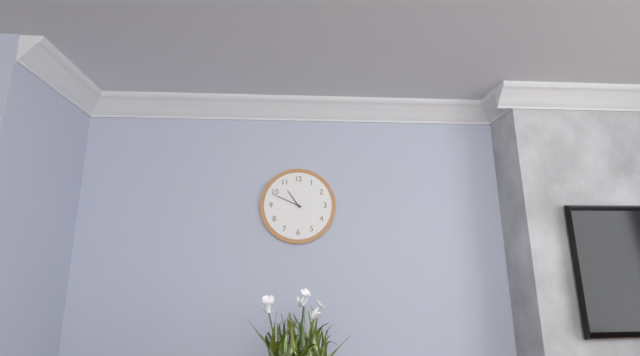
10:49
